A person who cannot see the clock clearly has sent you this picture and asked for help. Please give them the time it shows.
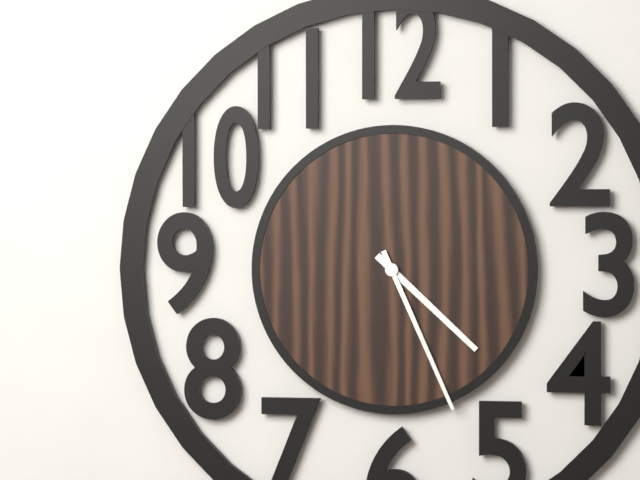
4:26
